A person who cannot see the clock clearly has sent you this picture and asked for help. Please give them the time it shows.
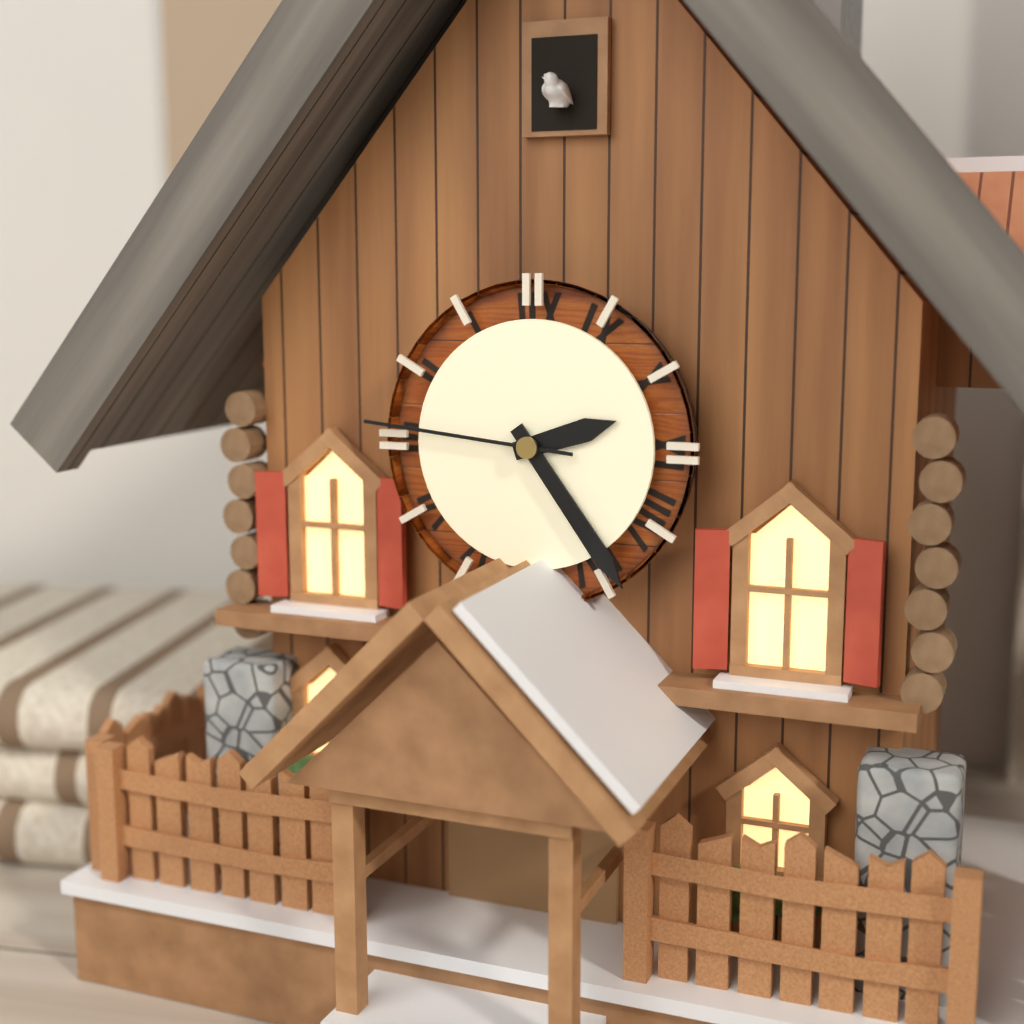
2:24:46
